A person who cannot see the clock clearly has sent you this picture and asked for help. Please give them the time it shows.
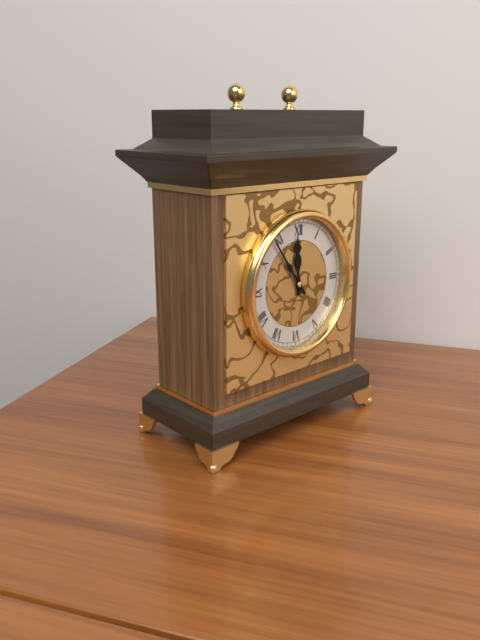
11:54
